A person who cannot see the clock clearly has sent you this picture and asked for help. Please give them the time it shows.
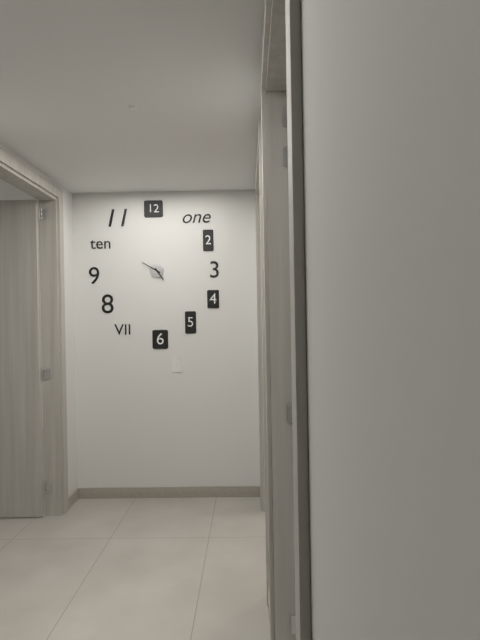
4:50
